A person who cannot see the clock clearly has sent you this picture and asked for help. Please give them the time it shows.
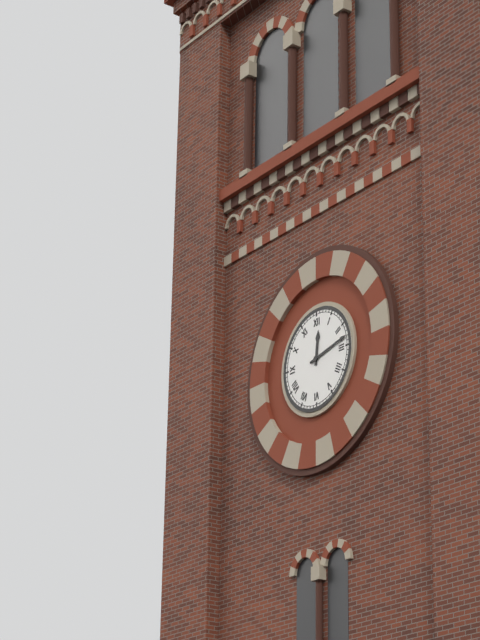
12:13
